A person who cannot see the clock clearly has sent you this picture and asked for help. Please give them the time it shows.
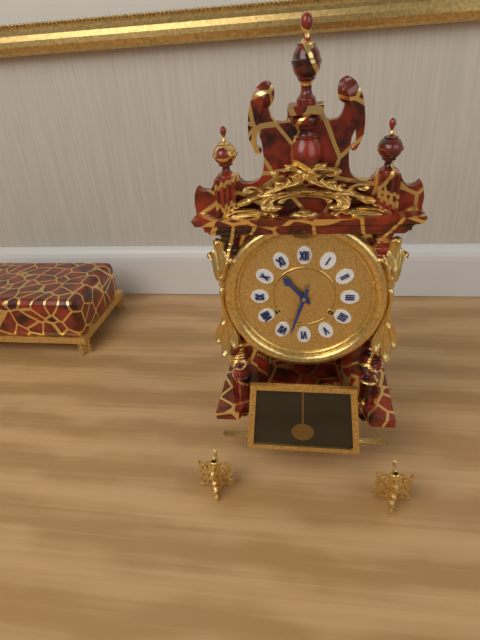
10:33
